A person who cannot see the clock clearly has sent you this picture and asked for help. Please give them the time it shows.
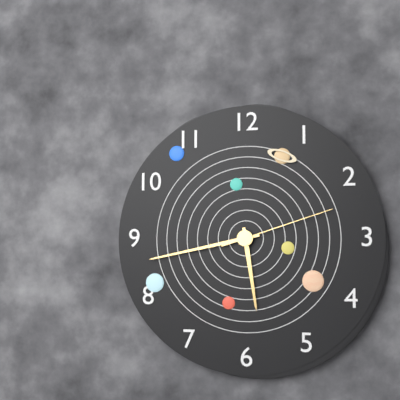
5:43:12
